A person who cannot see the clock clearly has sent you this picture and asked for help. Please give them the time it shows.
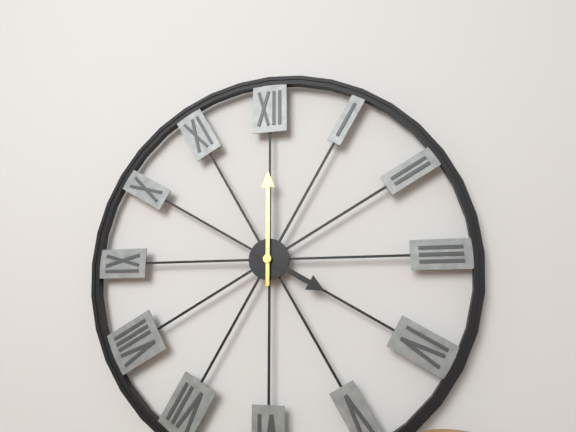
4:00
